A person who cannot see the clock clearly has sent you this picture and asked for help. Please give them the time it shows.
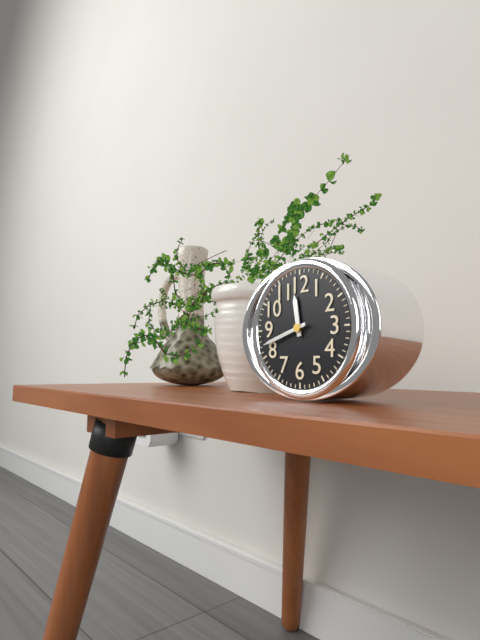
11:42
